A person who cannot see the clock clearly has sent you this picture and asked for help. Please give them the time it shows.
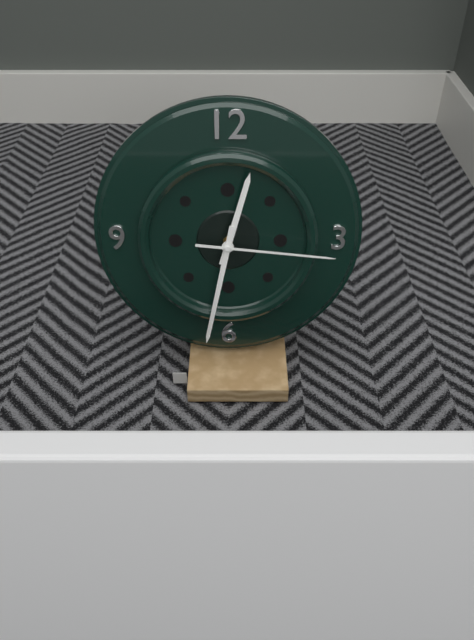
12:32:16
